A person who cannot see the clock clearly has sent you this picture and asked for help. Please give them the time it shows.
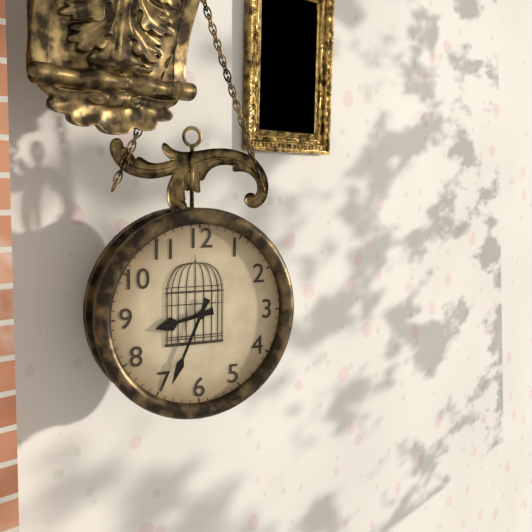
8:34
